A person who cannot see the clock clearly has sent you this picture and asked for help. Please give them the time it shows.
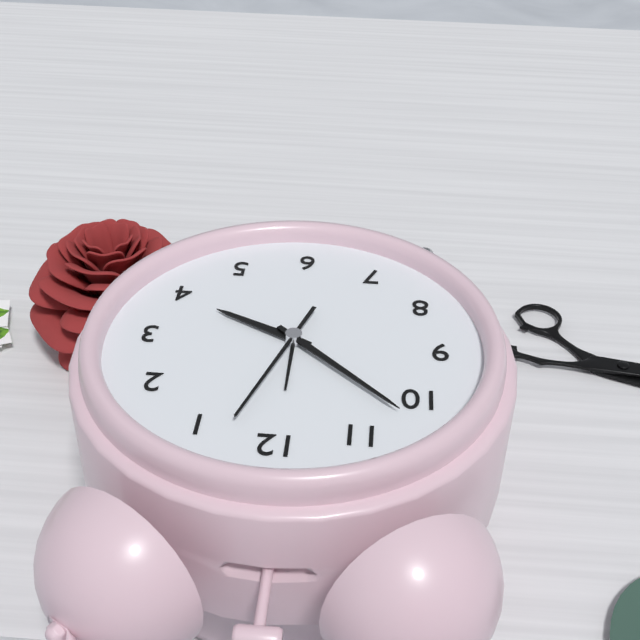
3:52:03
